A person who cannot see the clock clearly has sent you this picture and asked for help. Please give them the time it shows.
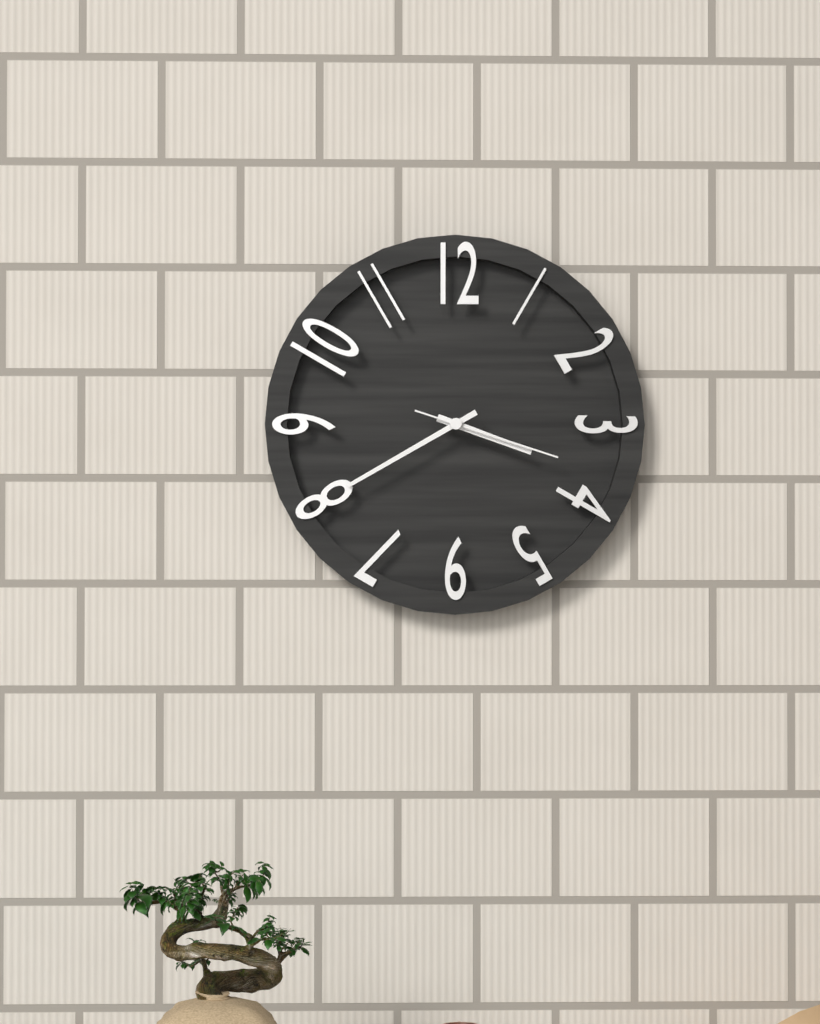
3:40:18
